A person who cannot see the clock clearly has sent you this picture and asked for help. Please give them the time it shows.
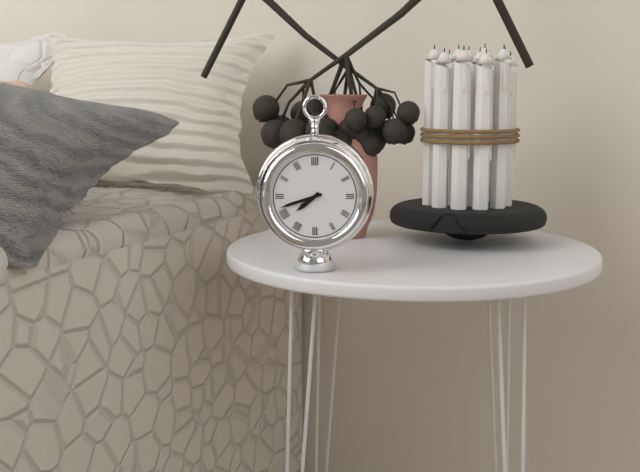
7:42
